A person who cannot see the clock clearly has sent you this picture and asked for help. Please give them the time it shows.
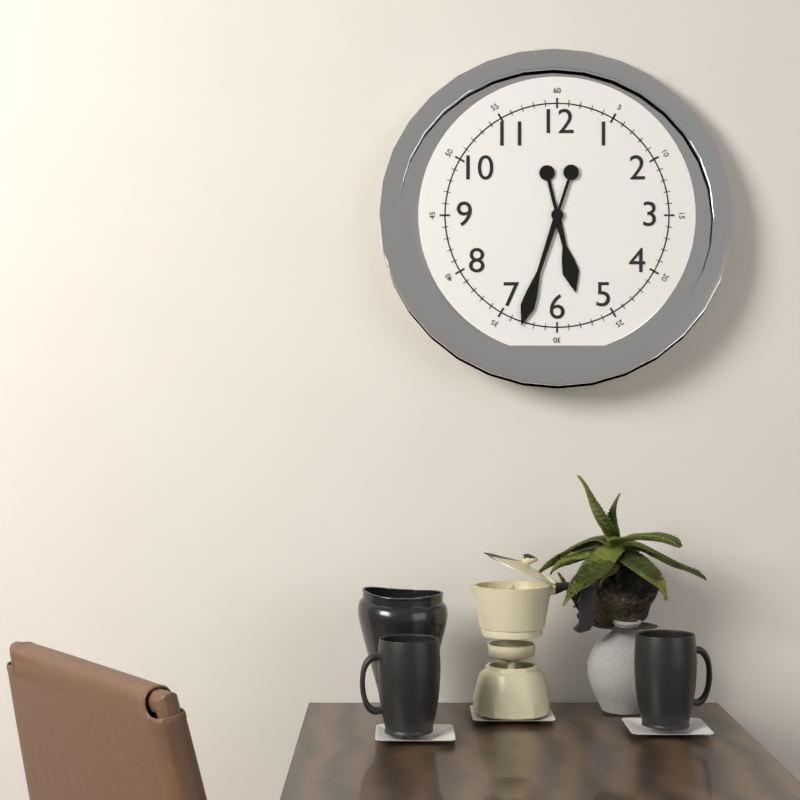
5:33
